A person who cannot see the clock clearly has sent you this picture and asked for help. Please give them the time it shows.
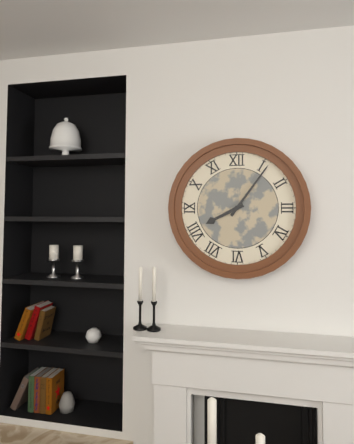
8:06
